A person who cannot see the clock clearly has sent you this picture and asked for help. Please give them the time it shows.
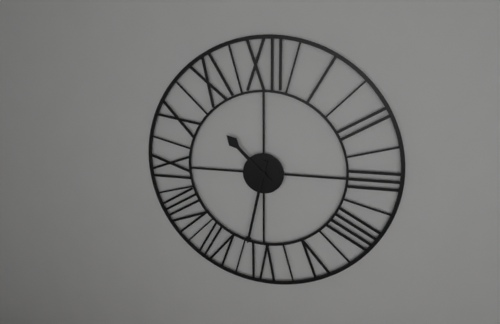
10:32
